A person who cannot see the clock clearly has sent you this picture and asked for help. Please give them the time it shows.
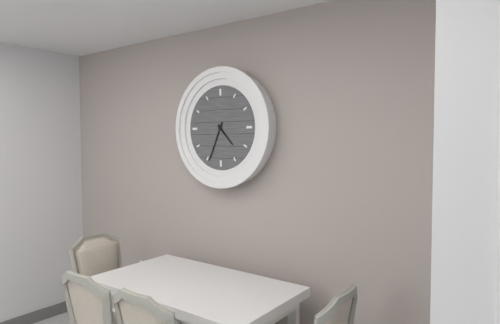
4:34
